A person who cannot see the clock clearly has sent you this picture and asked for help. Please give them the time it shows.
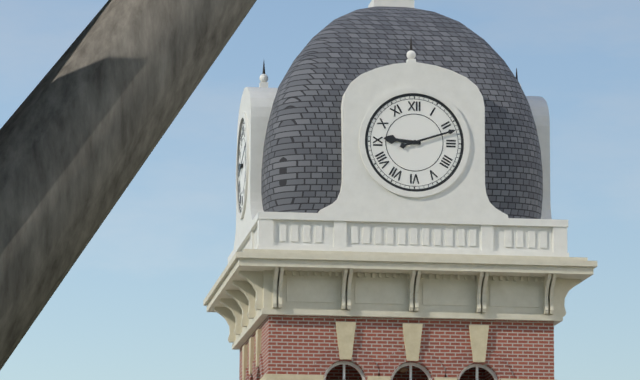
9:12
